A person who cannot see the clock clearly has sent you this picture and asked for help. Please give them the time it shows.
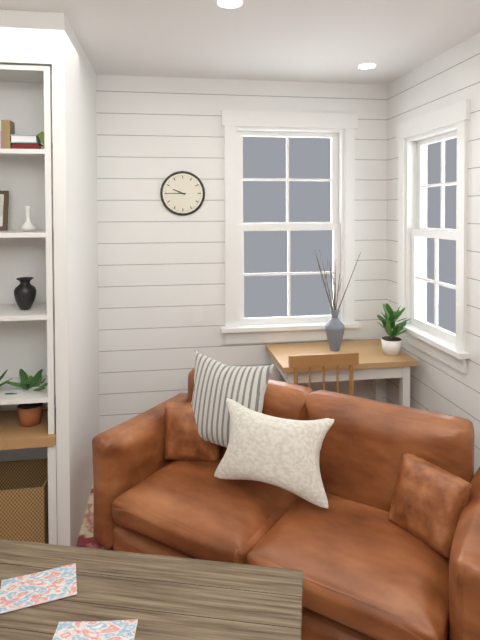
9:45
